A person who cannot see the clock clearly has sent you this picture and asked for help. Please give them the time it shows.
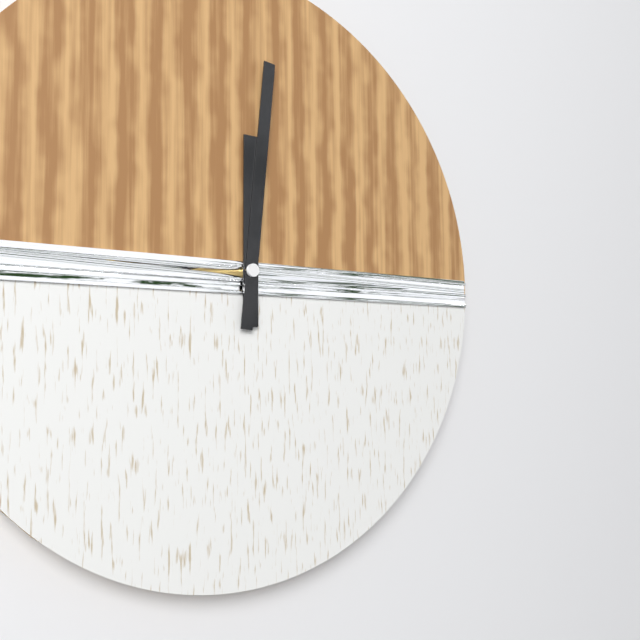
12:01
